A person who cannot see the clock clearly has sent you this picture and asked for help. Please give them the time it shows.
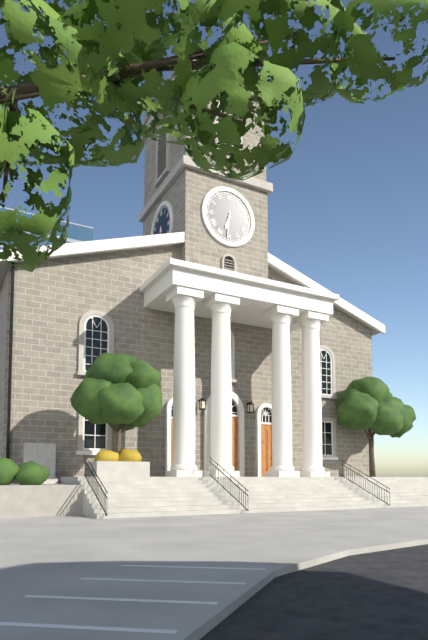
6:31
